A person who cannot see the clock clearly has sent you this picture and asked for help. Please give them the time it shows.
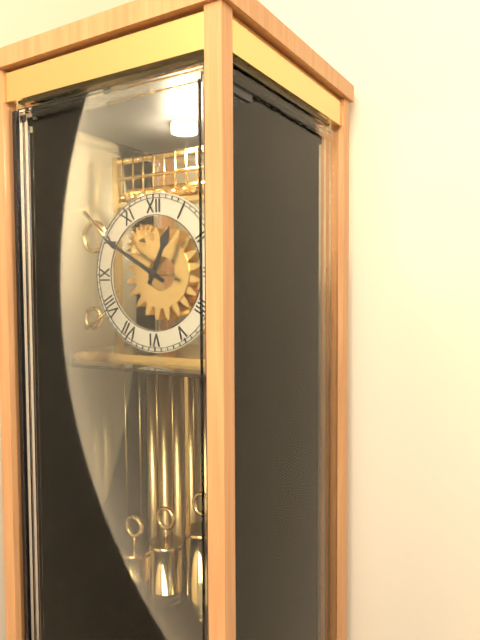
12:50
